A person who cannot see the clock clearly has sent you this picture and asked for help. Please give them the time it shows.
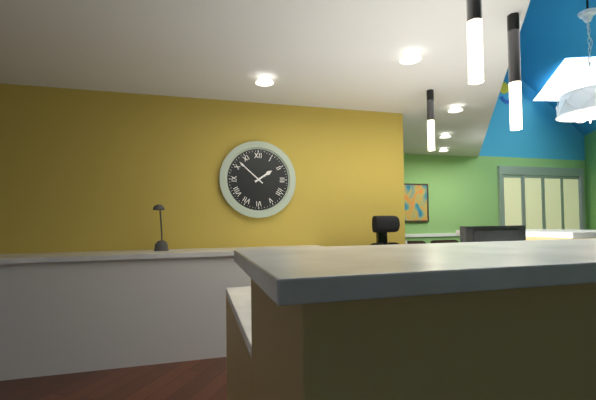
1:52
